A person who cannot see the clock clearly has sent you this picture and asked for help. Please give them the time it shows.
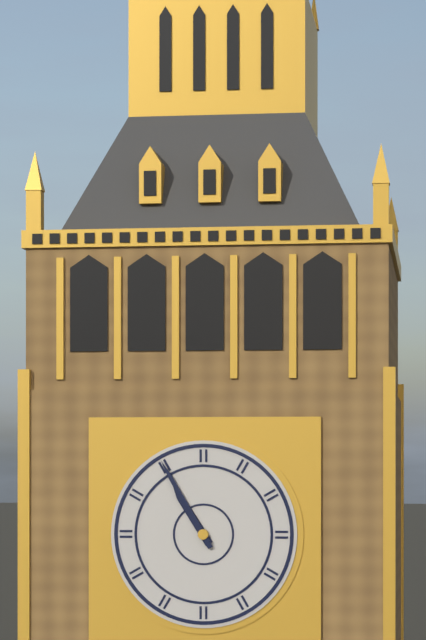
10:55
